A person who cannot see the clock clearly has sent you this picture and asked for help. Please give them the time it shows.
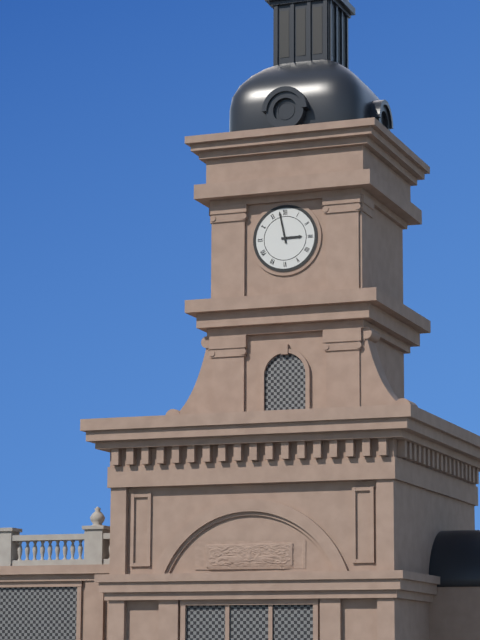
2:58
